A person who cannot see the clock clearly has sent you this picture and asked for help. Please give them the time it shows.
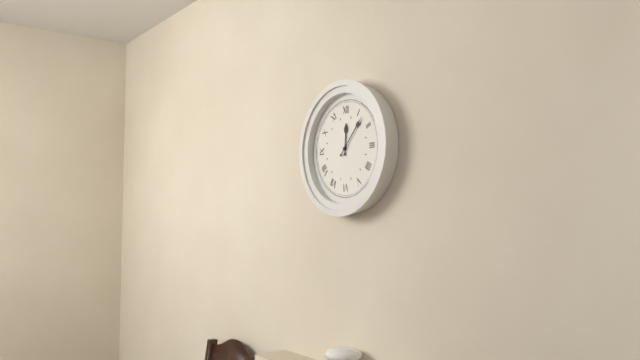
12:07
